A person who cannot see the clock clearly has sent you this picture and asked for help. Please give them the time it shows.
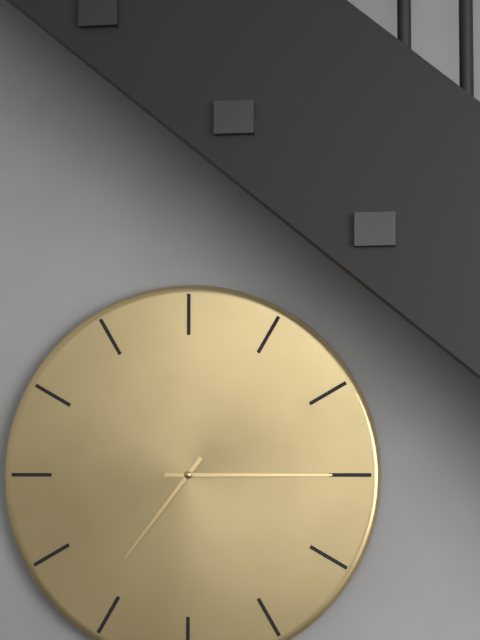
7:15
